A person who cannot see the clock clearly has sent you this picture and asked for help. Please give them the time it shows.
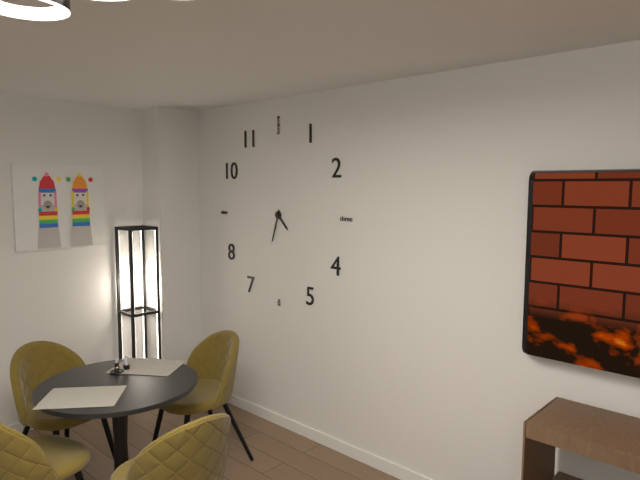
4:33
